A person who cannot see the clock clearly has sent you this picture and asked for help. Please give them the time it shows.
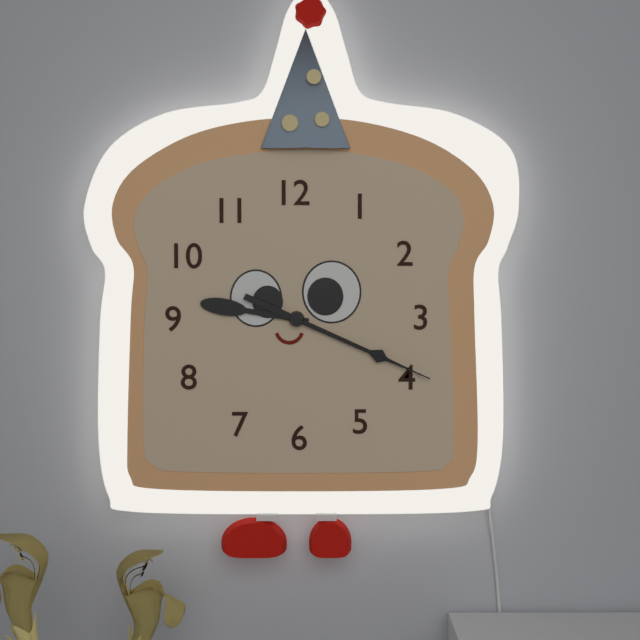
9:19:19
